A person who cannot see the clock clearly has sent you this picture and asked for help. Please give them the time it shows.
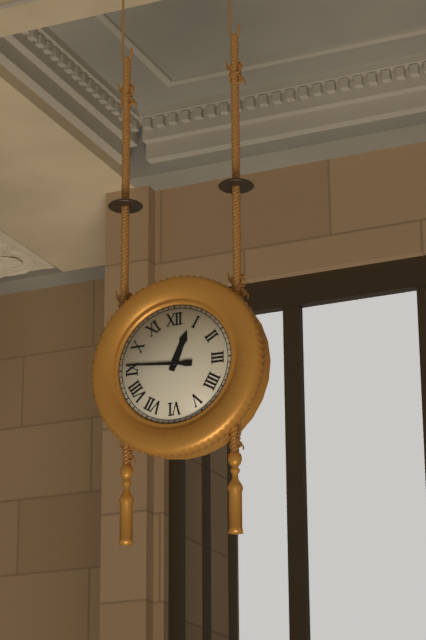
12:46
